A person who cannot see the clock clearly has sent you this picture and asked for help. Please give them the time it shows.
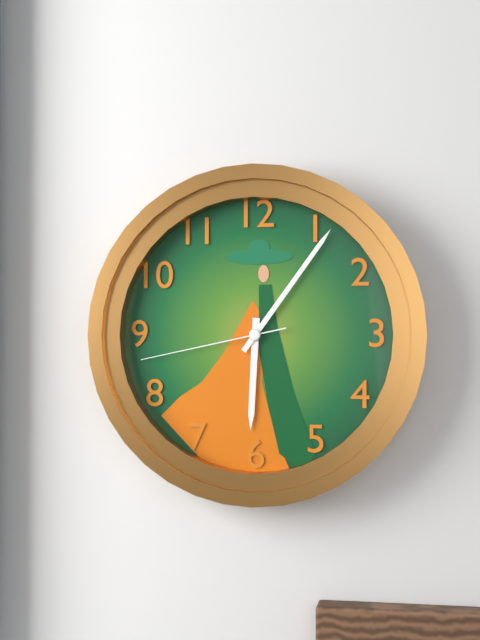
6:06:43
